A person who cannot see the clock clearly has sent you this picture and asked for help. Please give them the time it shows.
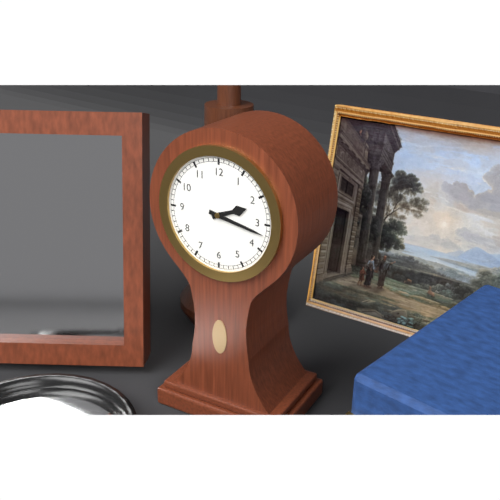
2:17
